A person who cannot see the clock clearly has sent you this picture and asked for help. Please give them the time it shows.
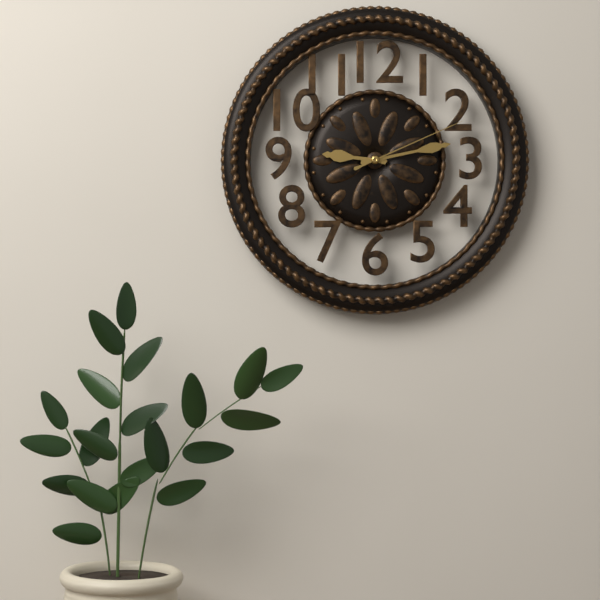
9:13:11
